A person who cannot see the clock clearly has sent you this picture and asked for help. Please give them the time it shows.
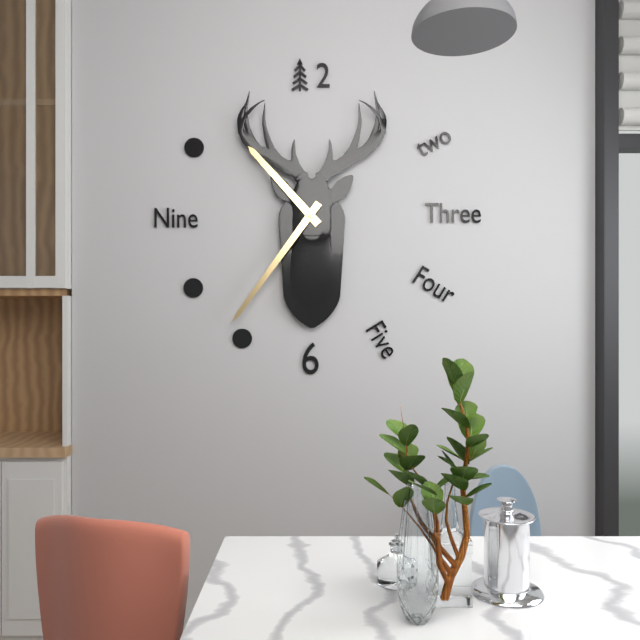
10:36
